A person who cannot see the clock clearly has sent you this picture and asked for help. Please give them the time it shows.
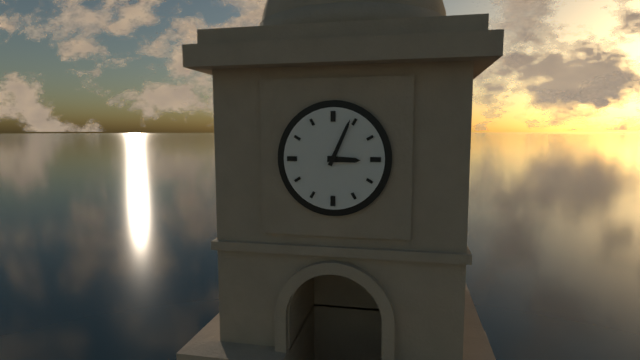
3:04
